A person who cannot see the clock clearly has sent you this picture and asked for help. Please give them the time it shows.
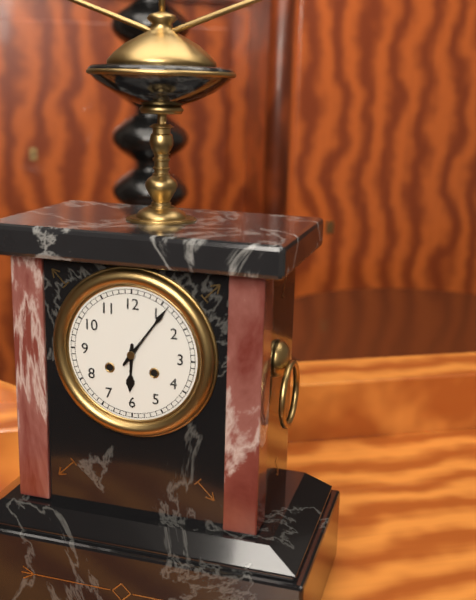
6:06
